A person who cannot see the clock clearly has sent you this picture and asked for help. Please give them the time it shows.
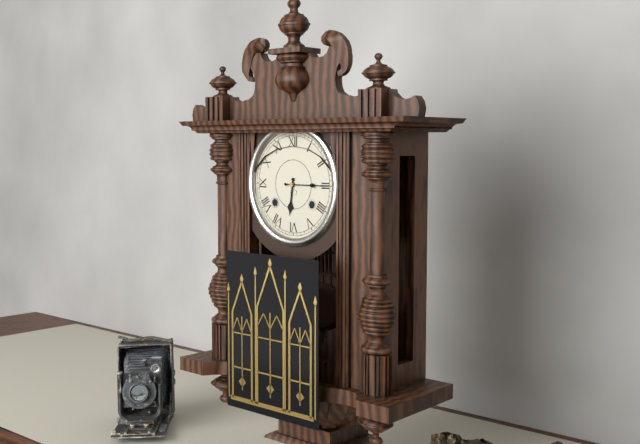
6:15
